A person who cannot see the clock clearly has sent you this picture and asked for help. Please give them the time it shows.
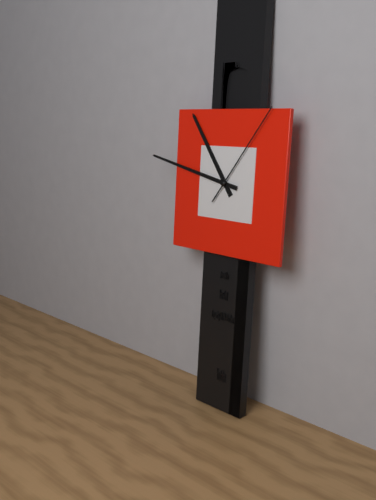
10:47:06
